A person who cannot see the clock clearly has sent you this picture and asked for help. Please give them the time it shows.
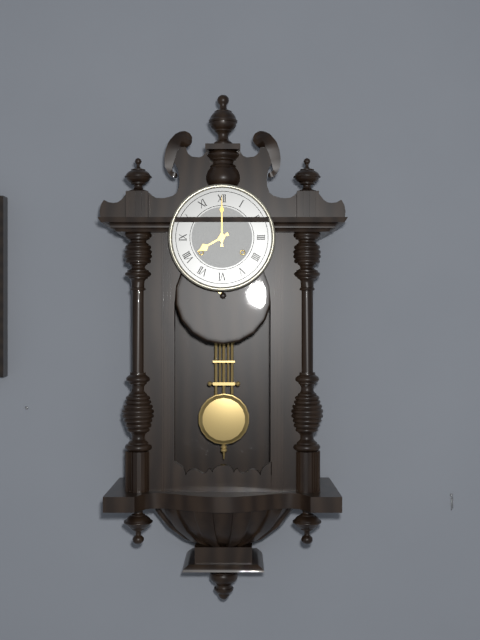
8:00
